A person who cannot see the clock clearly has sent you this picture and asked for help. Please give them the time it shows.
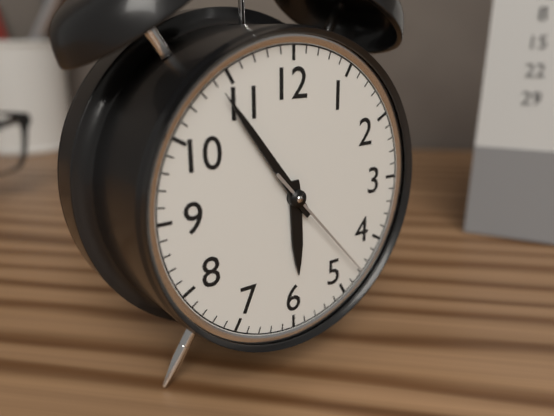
5:54:23
